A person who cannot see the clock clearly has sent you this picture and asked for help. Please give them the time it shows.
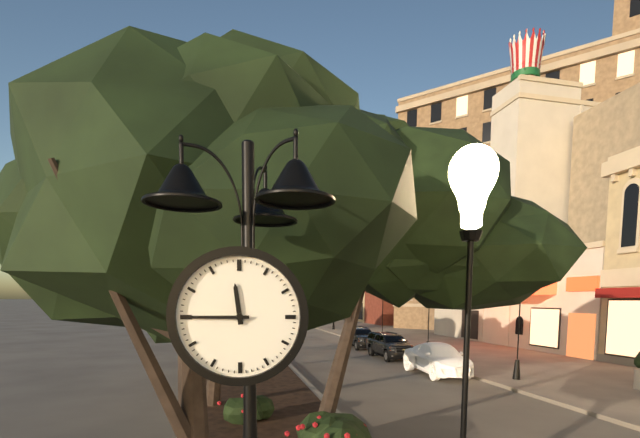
11:45
